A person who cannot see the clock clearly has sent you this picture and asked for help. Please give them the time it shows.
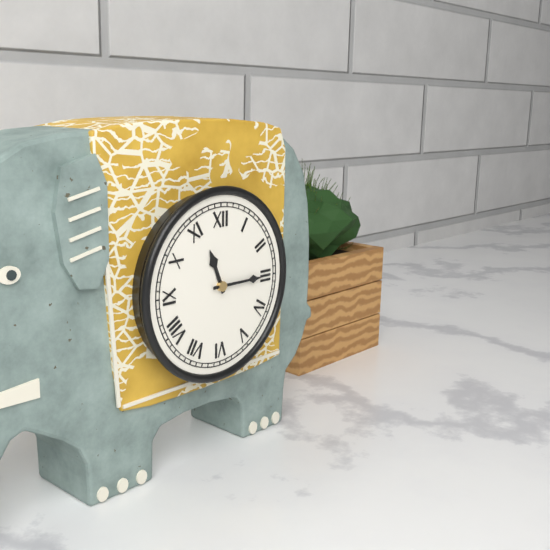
11:15
